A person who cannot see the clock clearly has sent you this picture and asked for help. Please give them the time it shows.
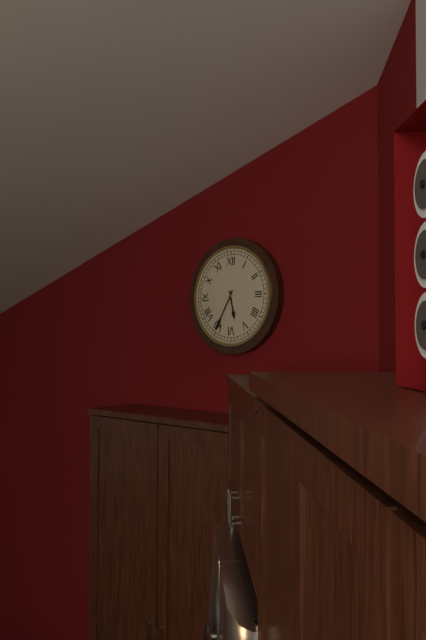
5:35
